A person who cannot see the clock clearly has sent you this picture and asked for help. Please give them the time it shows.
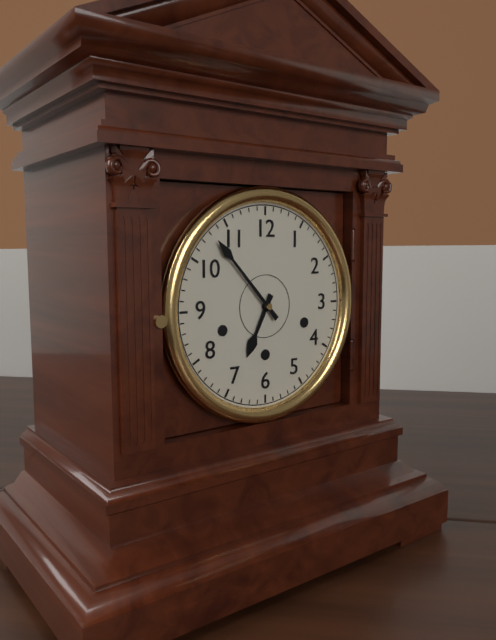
6:53
